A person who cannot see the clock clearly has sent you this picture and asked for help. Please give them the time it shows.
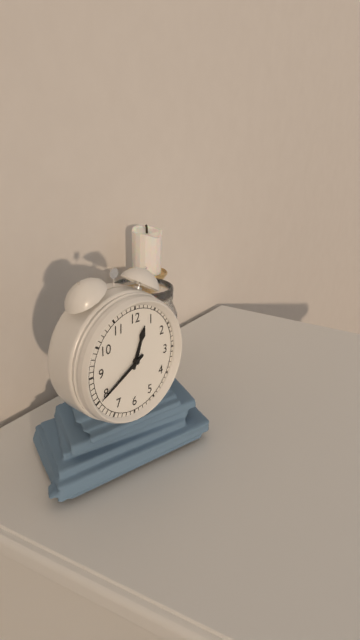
12:40
